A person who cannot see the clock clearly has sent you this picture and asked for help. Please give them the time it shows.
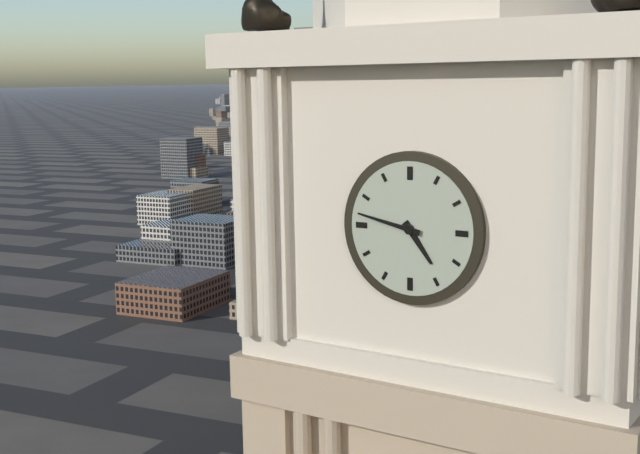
4:47
